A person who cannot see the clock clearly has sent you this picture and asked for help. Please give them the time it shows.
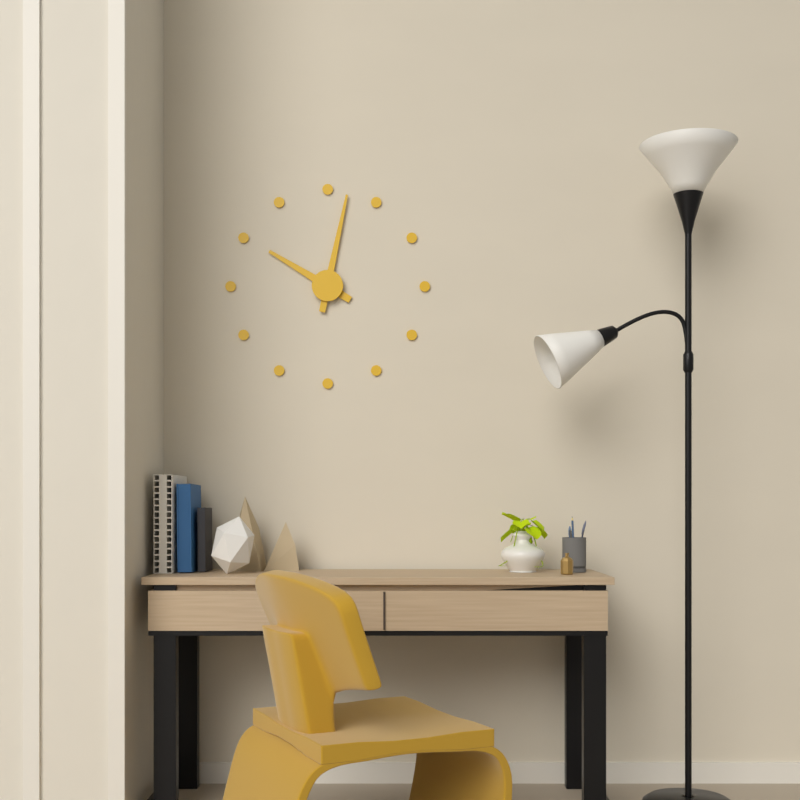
10:02
